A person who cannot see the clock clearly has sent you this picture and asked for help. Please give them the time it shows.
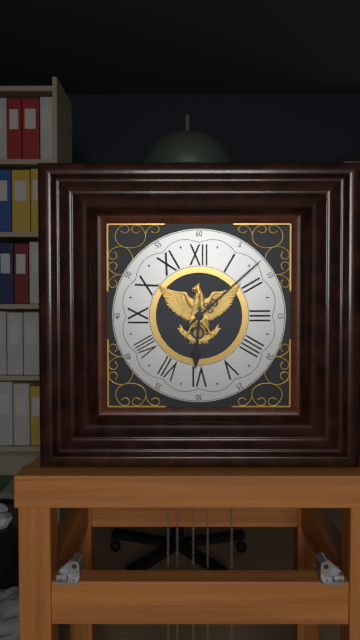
6:08
